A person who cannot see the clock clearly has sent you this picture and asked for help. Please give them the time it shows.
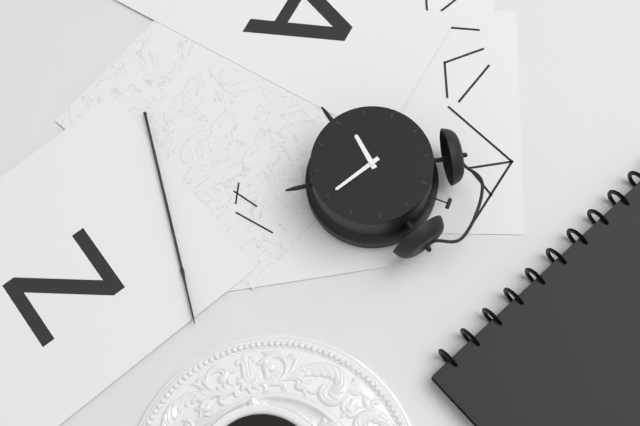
7:20
